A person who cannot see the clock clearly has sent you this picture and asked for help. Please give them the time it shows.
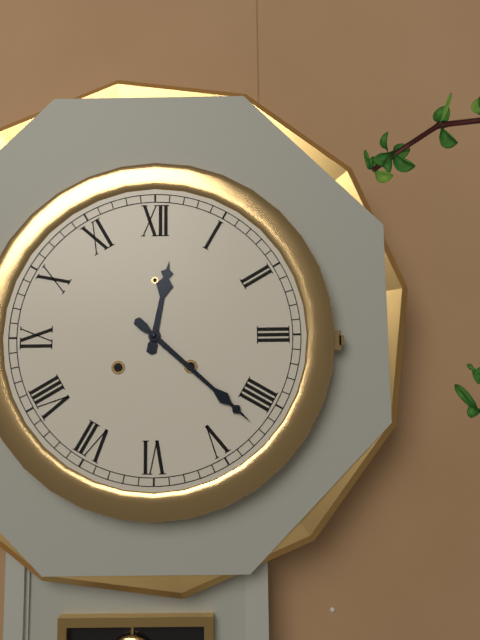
12:22
